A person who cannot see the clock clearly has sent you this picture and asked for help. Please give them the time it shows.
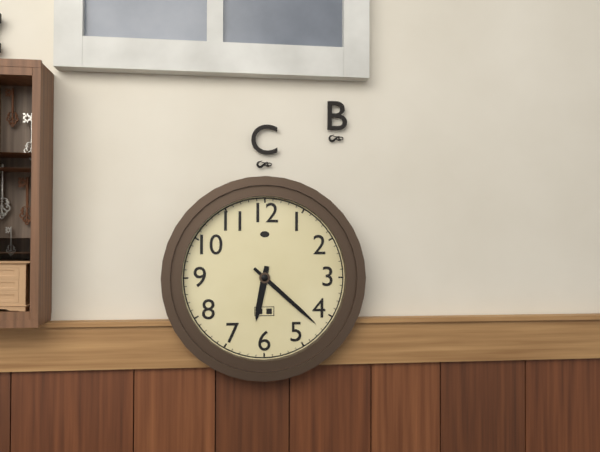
6:22
